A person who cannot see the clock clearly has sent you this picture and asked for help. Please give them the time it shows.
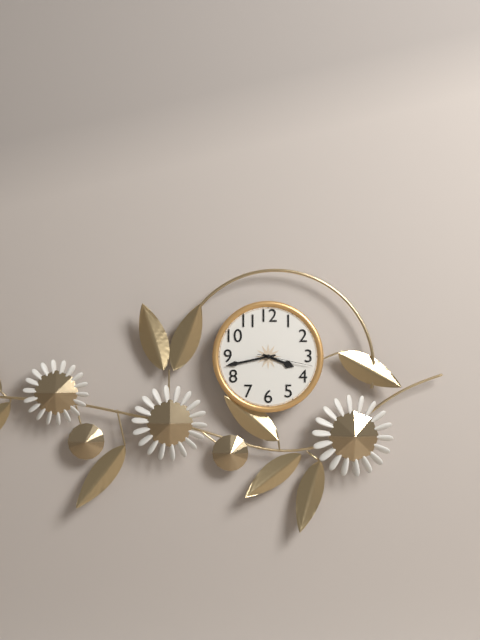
3:43:17
